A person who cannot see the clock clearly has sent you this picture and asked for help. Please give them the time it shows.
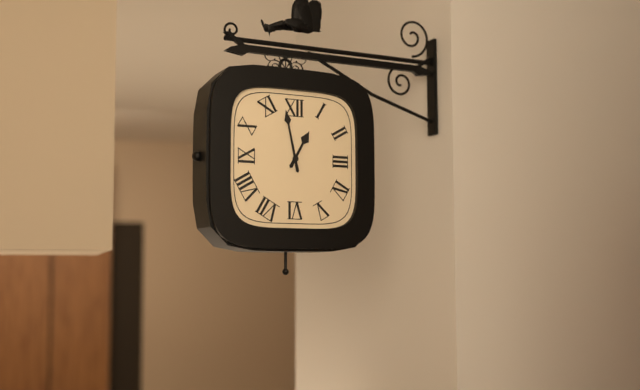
12:58
